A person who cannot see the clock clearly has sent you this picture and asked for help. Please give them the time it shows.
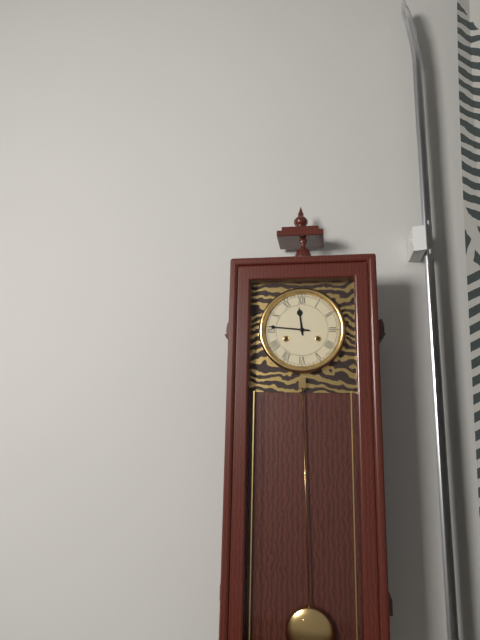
11:46
